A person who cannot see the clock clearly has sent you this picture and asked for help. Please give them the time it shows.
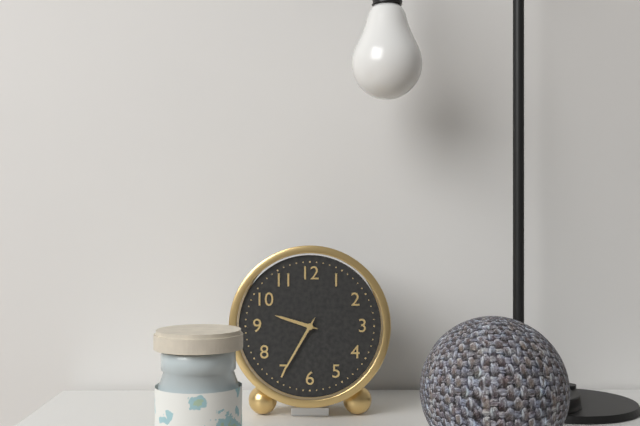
9:35
